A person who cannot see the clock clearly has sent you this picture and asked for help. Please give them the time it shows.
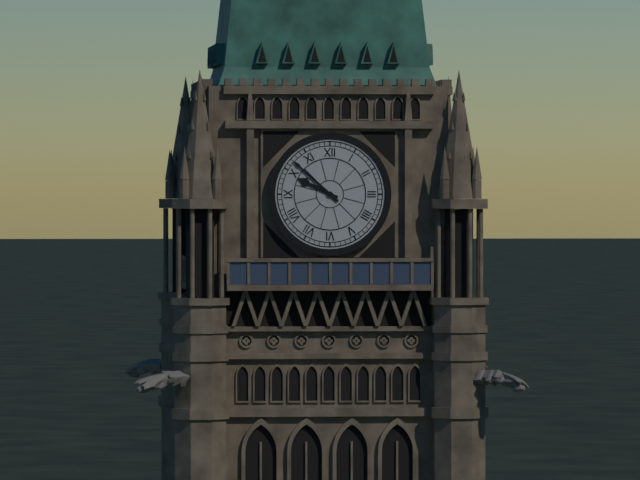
9:52
